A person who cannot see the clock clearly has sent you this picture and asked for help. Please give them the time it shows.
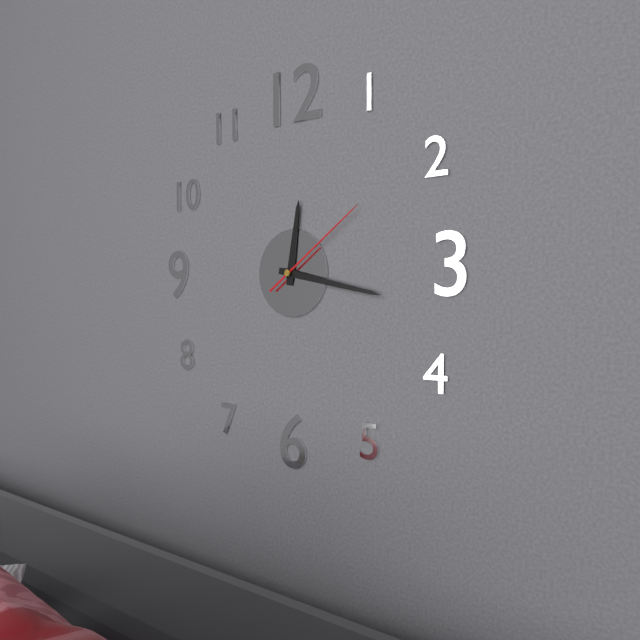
12:17:09
